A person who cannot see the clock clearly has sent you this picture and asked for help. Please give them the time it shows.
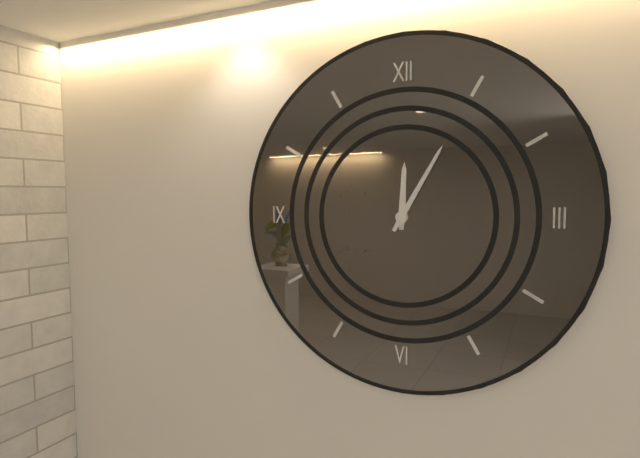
12:05
